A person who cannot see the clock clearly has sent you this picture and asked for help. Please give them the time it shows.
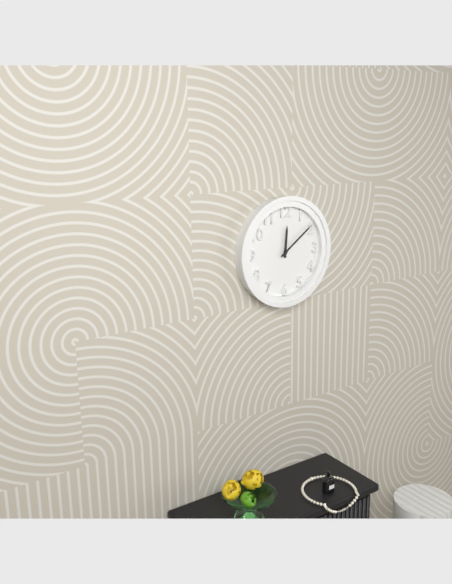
12:09
